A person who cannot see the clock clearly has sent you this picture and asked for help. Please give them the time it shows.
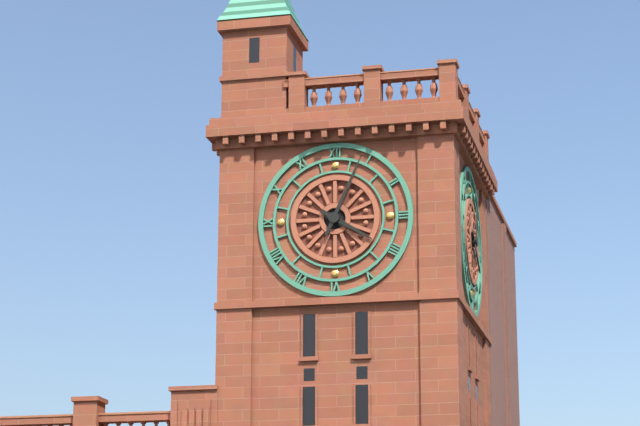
4:04
